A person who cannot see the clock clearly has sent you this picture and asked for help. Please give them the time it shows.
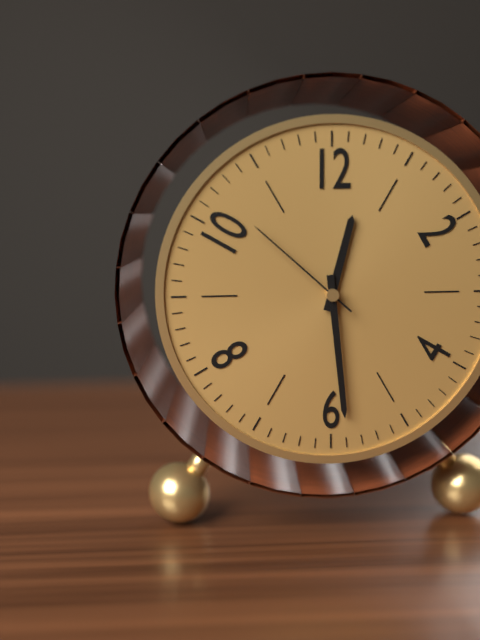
12:29:52
